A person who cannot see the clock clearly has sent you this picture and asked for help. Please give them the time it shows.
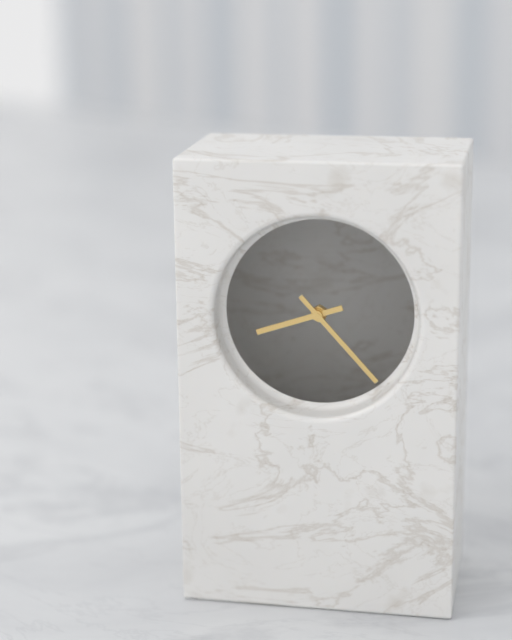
8:23
